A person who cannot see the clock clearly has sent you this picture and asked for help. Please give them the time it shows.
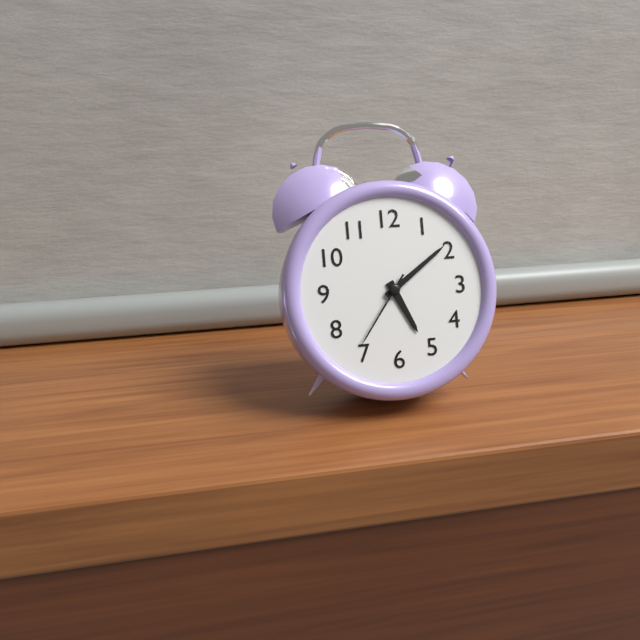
5:09:36
